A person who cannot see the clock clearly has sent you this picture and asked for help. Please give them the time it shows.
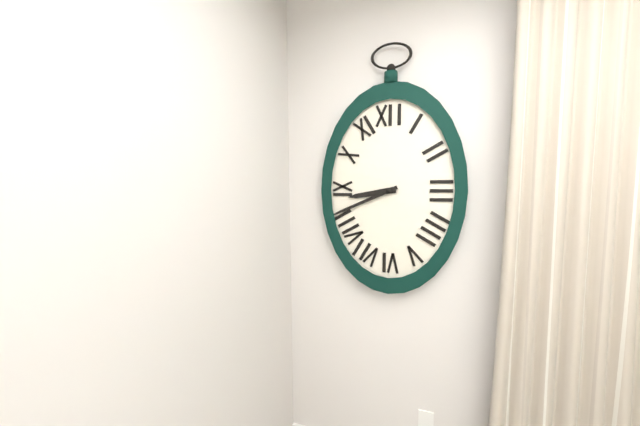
8:41
